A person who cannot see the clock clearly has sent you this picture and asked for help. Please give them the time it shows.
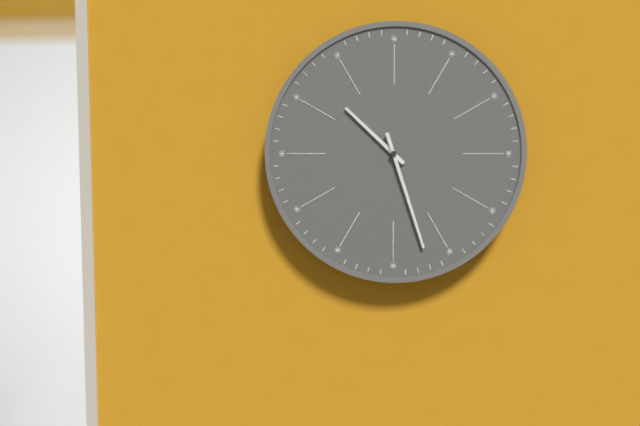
10:27
